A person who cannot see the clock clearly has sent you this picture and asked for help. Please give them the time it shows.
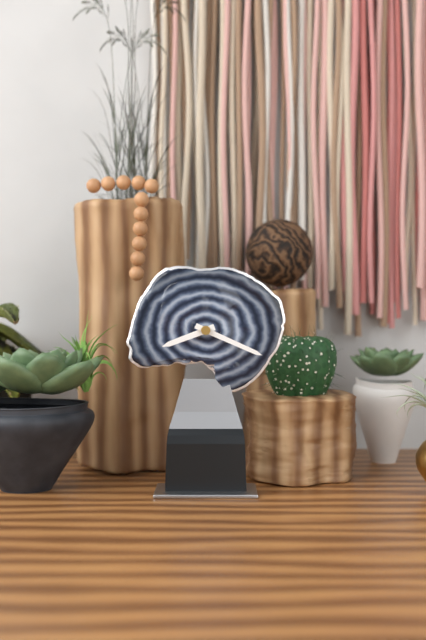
8:19
